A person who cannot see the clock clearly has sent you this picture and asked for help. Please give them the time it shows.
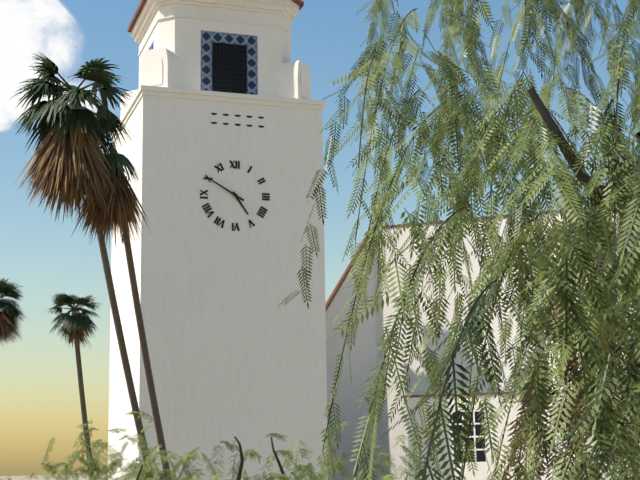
4:50
